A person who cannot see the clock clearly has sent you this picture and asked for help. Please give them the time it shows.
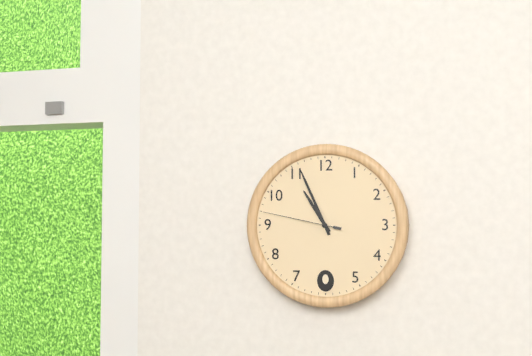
10:56:47
